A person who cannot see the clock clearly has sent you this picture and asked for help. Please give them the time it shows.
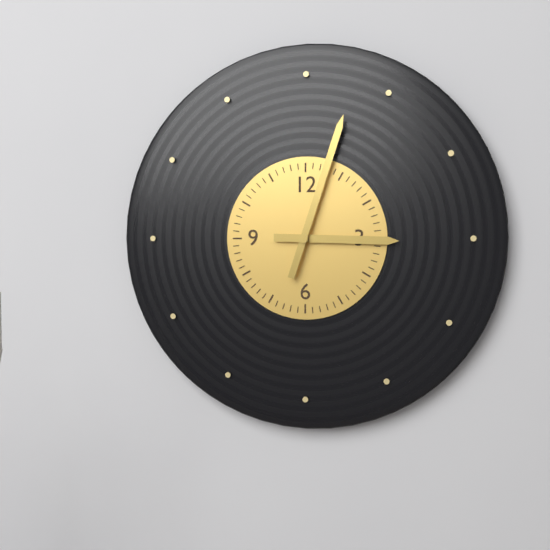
3:03
